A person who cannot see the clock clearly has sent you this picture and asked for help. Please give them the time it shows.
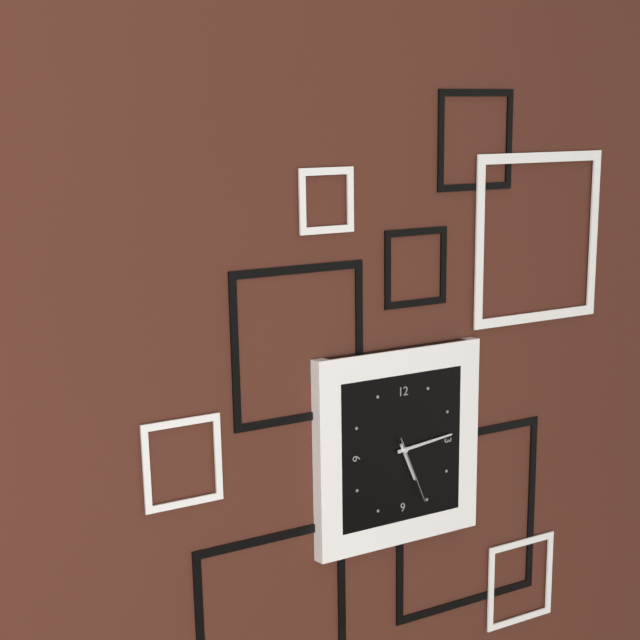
5:14:26
